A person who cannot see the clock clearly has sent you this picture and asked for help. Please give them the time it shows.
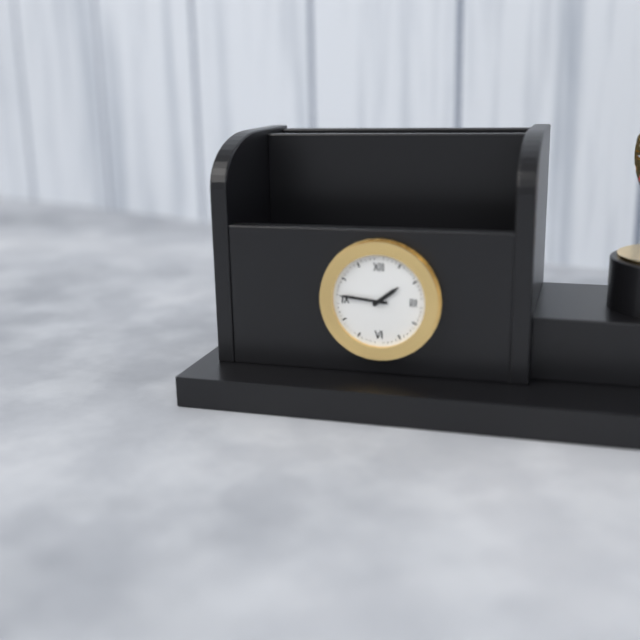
1:46
